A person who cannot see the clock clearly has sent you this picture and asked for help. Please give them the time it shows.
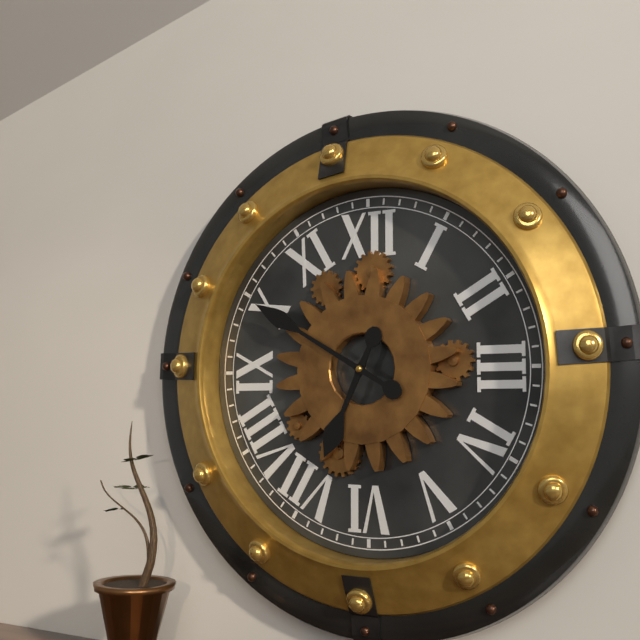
6:50
